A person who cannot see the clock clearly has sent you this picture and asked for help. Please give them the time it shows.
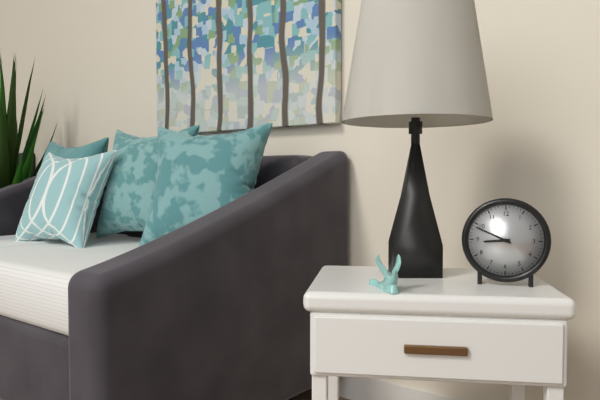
8:49
